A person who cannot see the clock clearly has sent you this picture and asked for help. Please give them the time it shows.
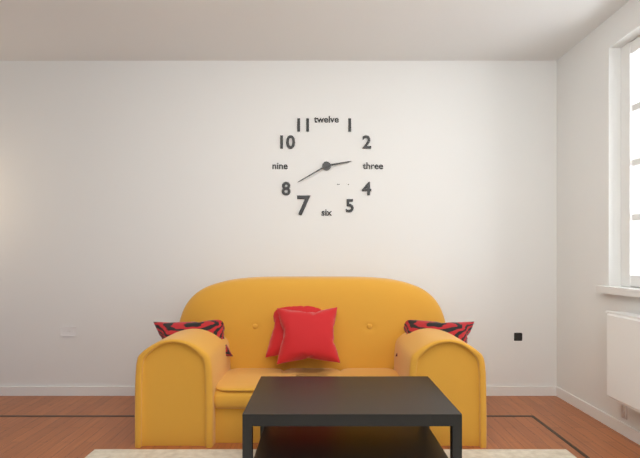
2:40
